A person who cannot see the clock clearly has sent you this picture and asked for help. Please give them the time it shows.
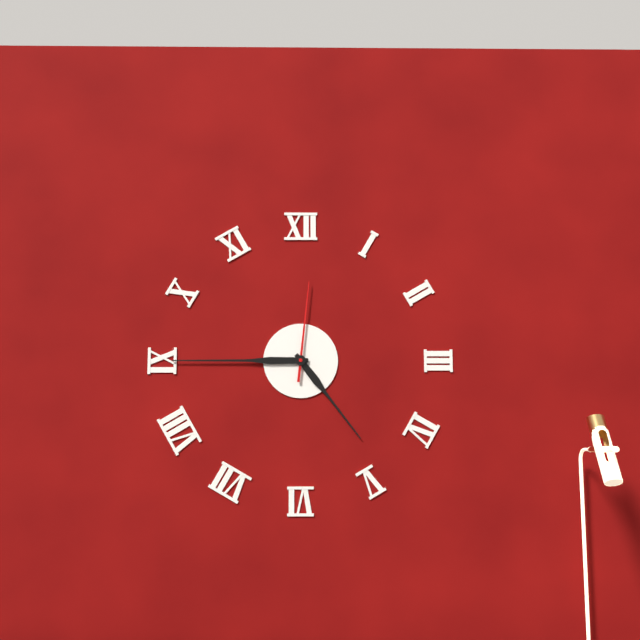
4:45:01
